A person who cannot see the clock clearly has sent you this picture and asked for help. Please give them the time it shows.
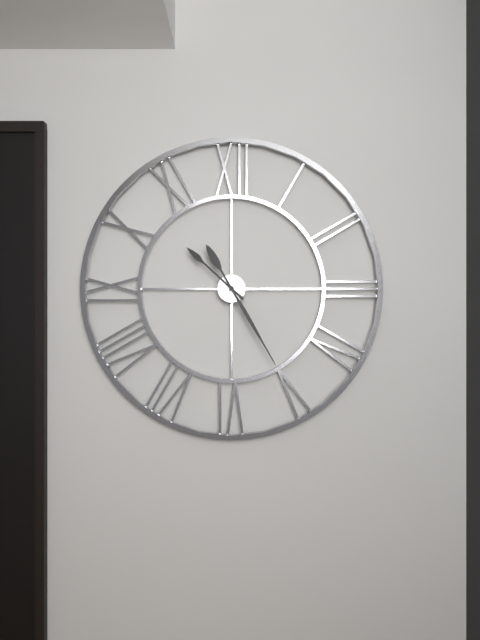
10:25
